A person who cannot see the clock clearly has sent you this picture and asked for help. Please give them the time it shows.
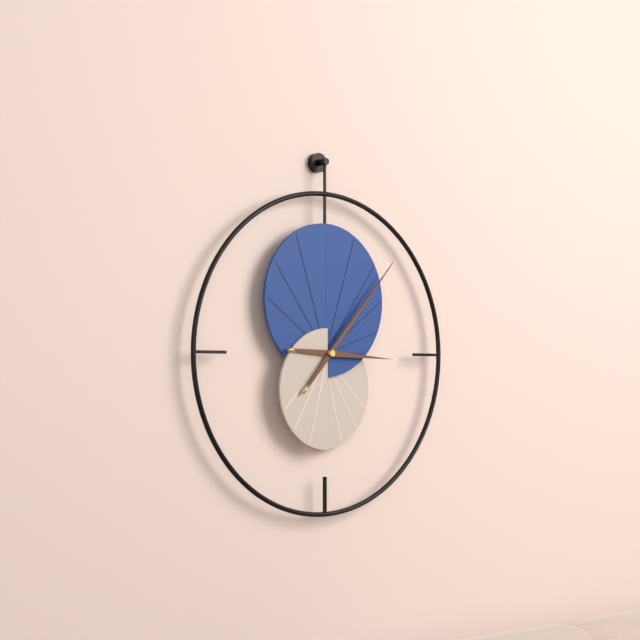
3:07
